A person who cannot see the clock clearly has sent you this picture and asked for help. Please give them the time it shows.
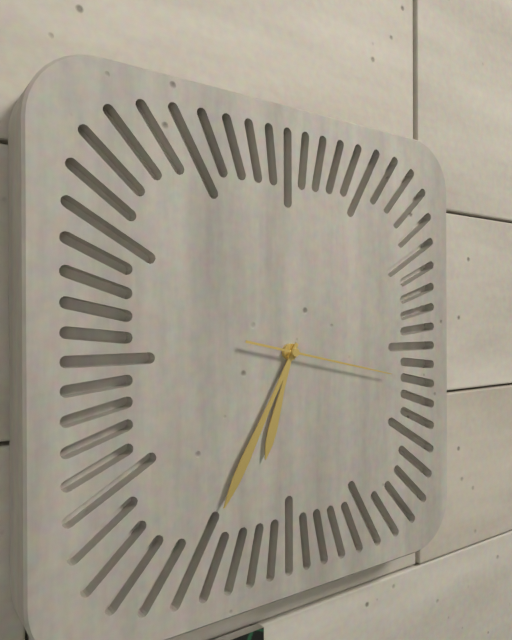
6:35:17
